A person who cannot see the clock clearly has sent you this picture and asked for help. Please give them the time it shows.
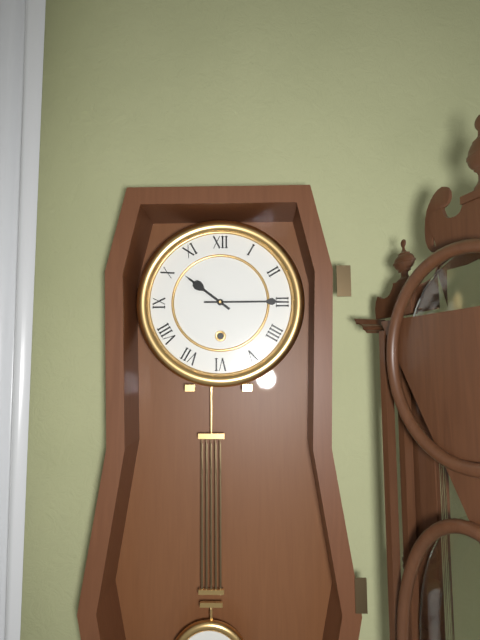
10:15
